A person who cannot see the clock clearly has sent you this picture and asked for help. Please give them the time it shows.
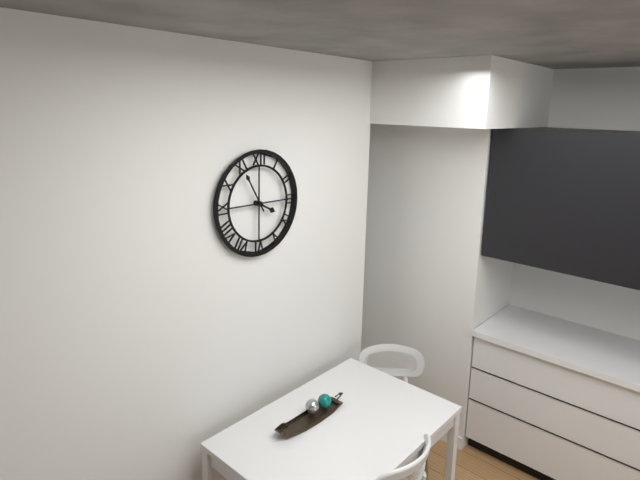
3:55
